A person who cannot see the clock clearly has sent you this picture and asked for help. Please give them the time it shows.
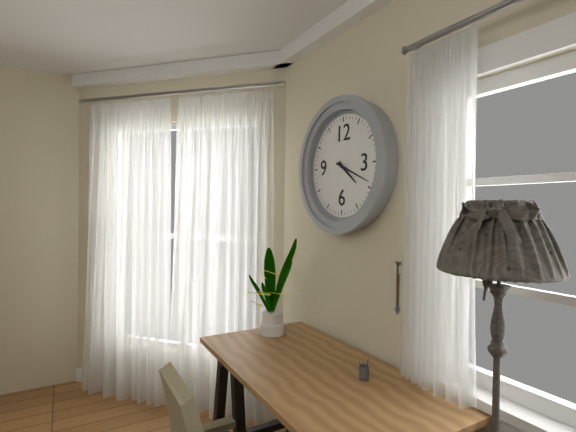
4:19
